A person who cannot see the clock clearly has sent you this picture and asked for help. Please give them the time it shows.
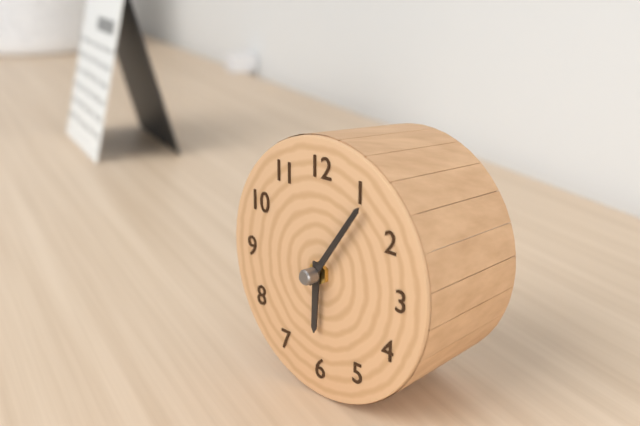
6:06
